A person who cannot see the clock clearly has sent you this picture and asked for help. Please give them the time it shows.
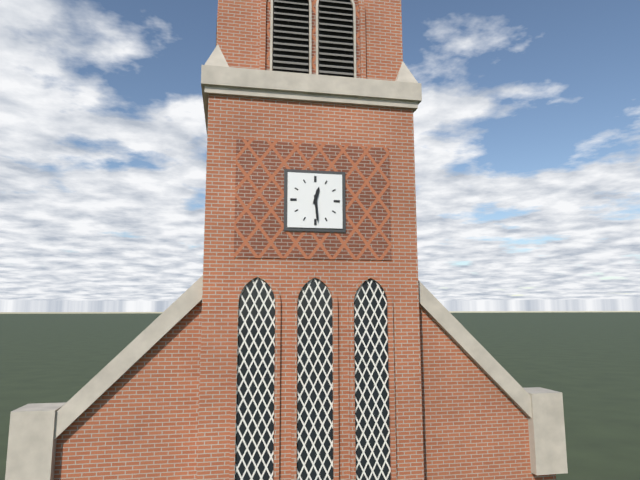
12:29
